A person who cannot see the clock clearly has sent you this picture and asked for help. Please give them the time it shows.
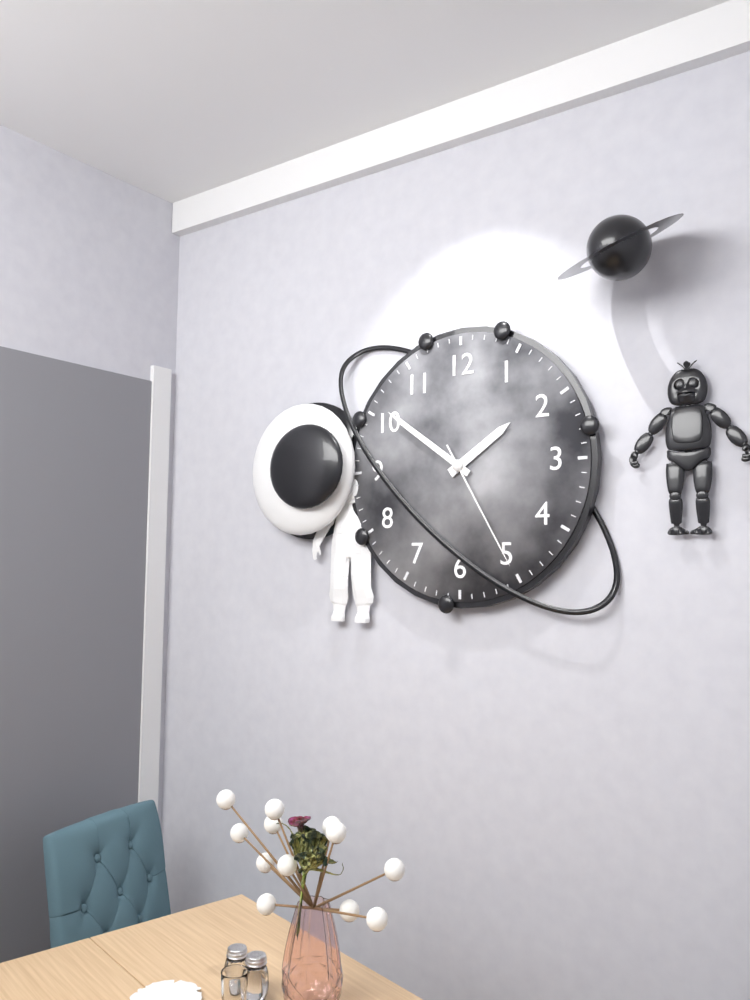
1:51:25
